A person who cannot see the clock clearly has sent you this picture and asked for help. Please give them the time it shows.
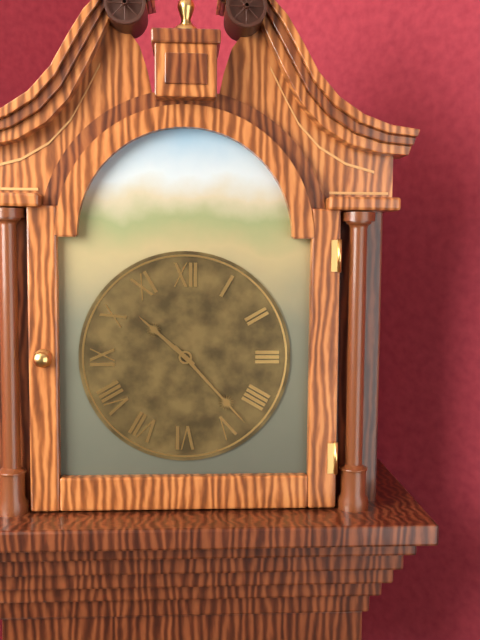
10:23
